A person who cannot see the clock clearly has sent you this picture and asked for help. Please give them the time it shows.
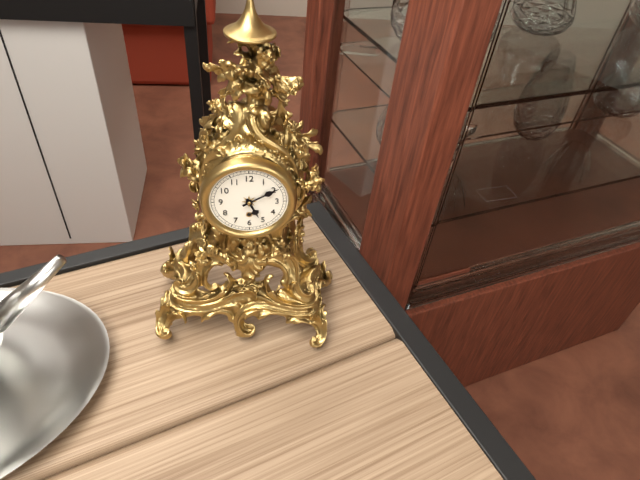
5:10
